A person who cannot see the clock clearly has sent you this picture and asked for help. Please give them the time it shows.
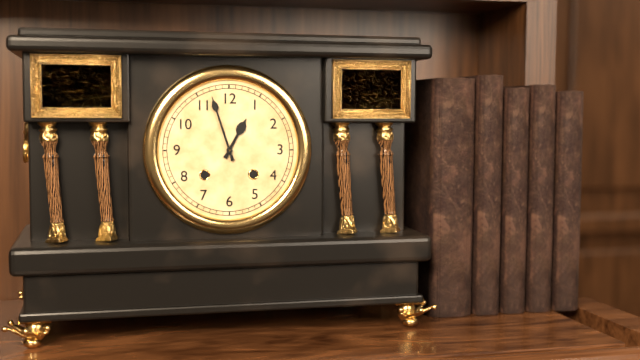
12:57
